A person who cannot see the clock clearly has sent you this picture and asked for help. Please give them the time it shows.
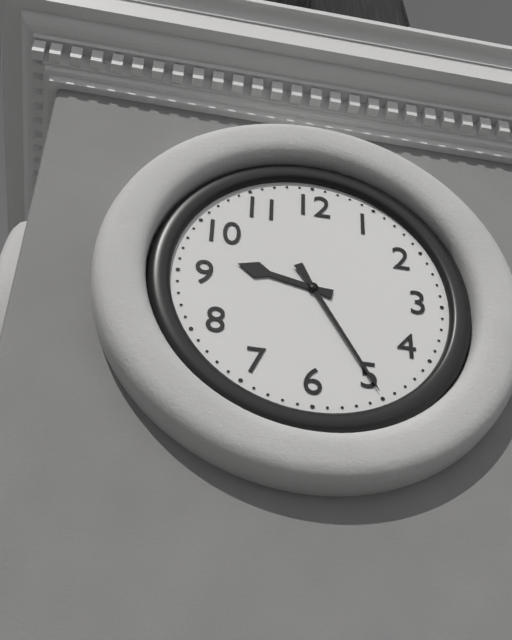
9:25
